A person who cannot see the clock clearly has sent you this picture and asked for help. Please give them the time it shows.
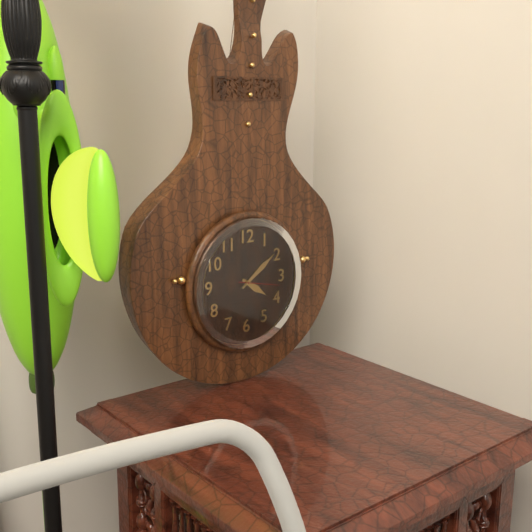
4:09
